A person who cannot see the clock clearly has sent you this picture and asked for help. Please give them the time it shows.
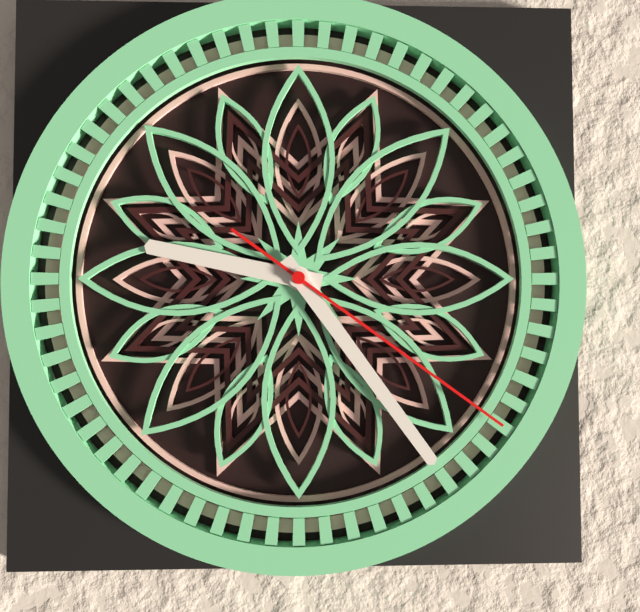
9:24:21
